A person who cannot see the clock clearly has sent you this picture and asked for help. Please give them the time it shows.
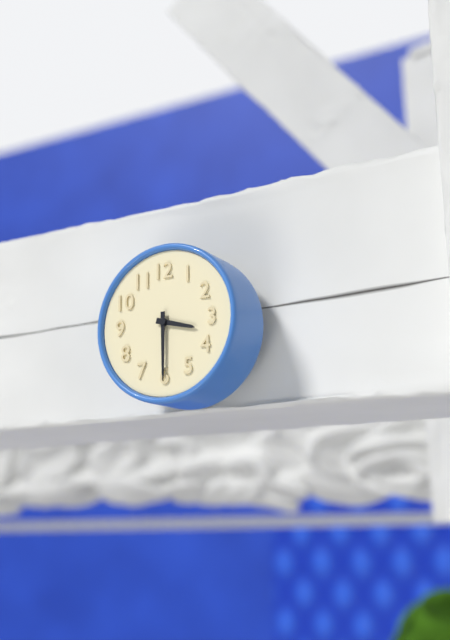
3:30
